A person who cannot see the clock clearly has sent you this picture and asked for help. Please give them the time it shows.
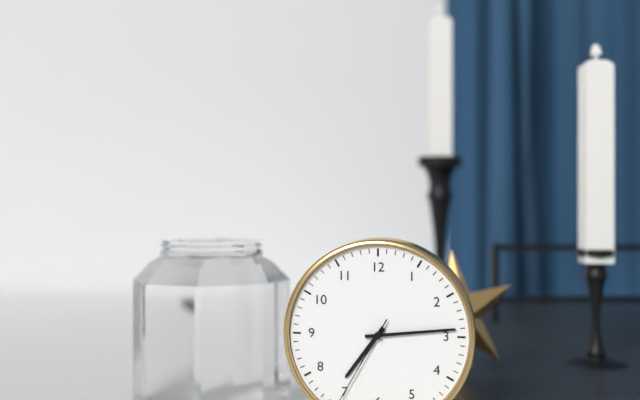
7:14
